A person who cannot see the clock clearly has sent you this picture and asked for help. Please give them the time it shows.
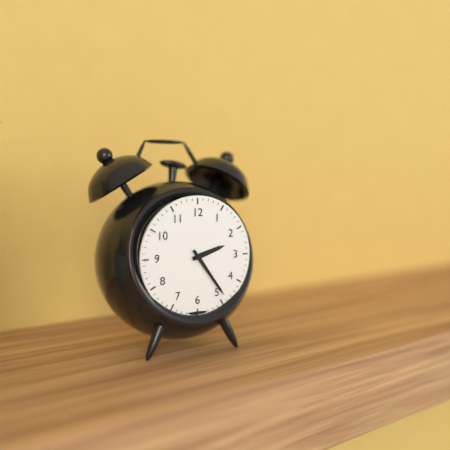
2:24
